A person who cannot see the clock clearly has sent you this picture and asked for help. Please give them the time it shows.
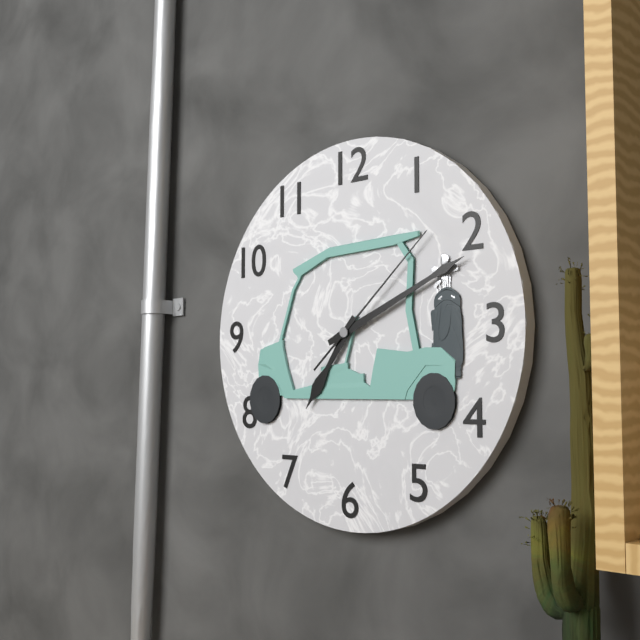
7:11:08
